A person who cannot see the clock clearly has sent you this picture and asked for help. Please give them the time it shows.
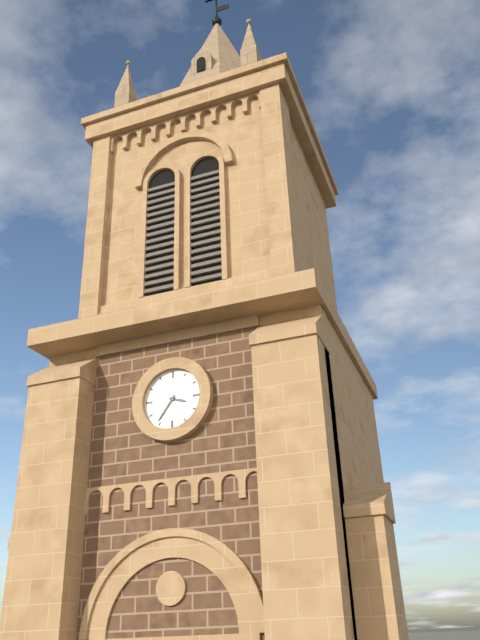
3:36
